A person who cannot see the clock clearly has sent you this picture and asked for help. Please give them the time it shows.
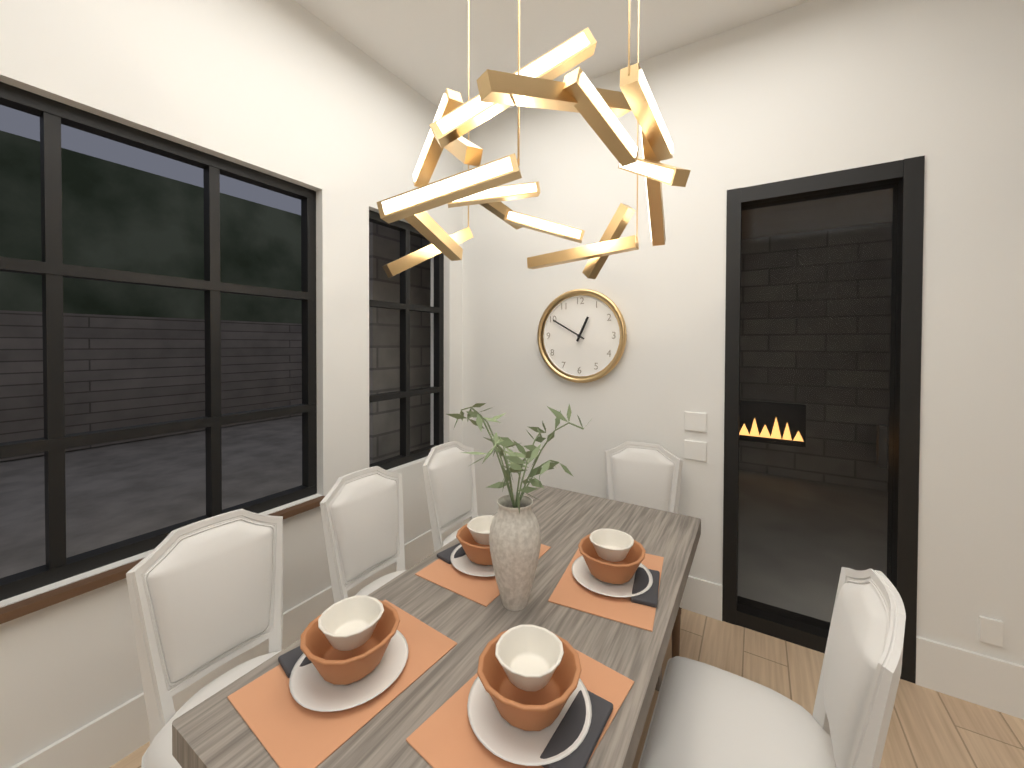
12:50
